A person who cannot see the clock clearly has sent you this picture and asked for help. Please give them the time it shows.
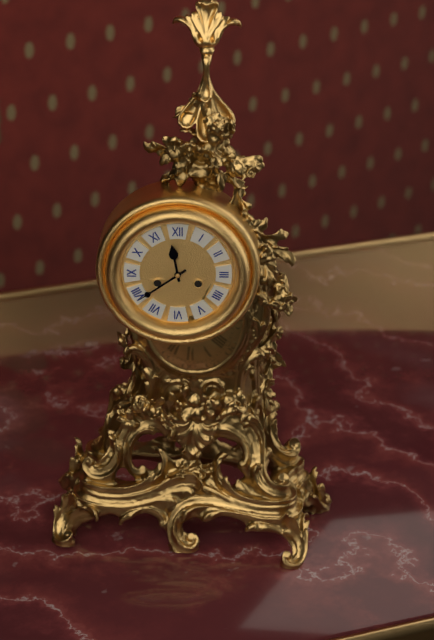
11:39
